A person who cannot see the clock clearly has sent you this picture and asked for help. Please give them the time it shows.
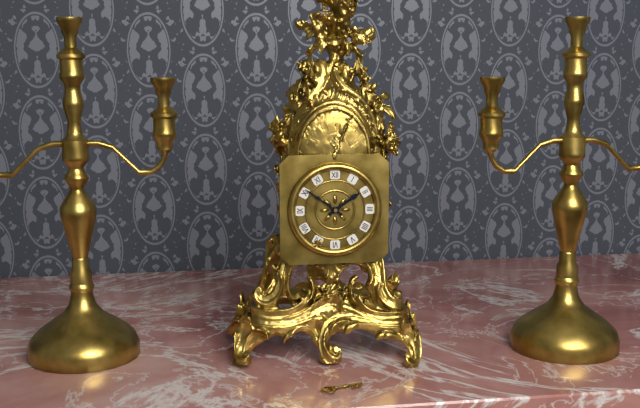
1:51
